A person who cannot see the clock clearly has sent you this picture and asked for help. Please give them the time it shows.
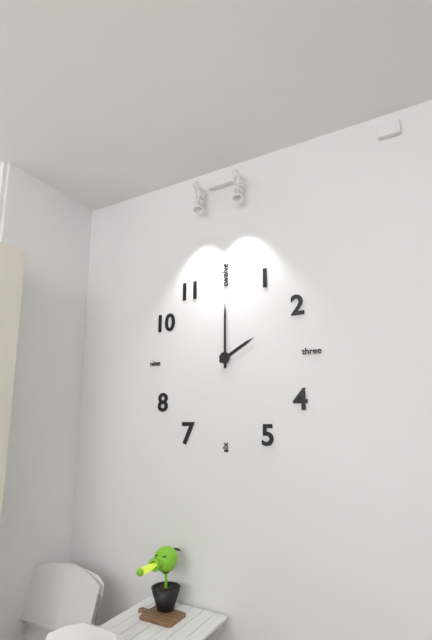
2:00
